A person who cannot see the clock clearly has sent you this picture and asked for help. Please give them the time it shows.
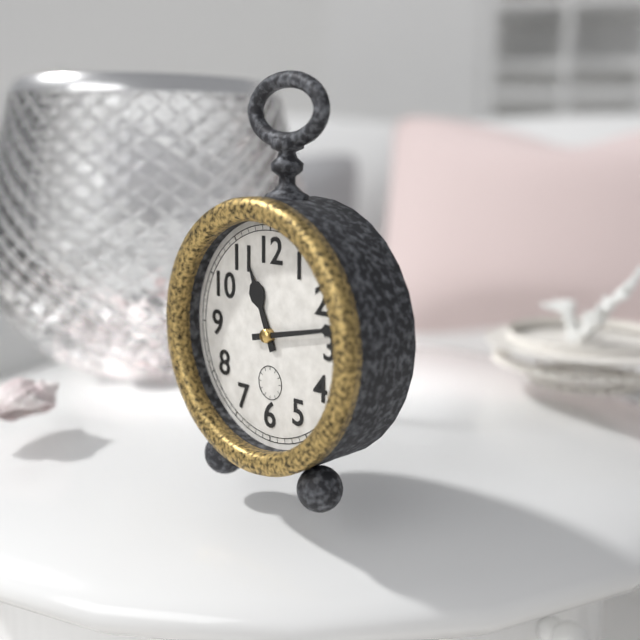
11:13
